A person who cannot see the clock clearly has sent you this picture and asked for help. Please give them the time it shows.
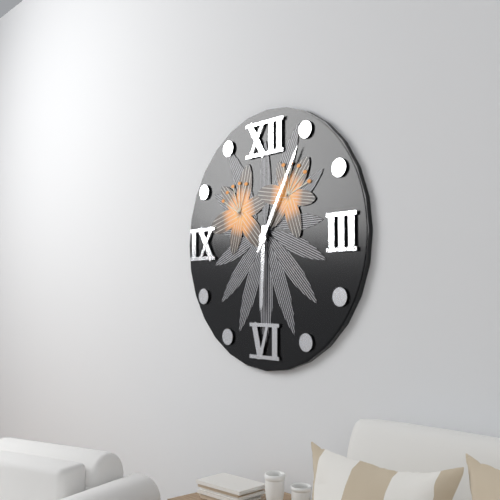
6:05
